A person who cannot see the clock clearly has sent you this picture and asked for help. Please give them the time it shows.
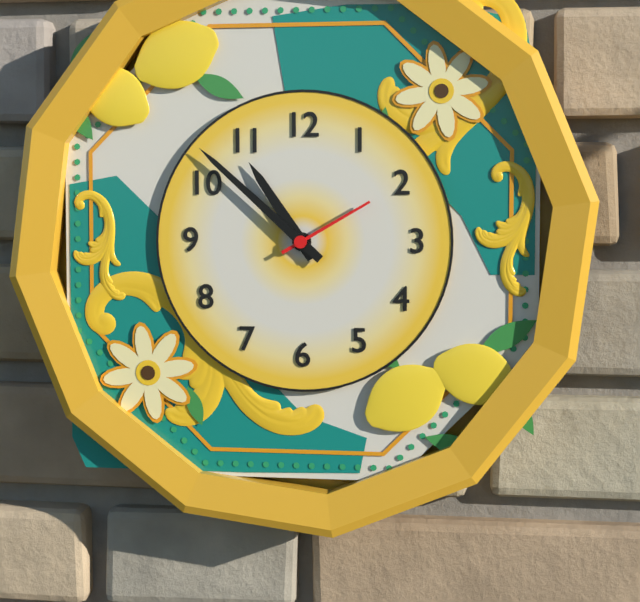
10:52:10
